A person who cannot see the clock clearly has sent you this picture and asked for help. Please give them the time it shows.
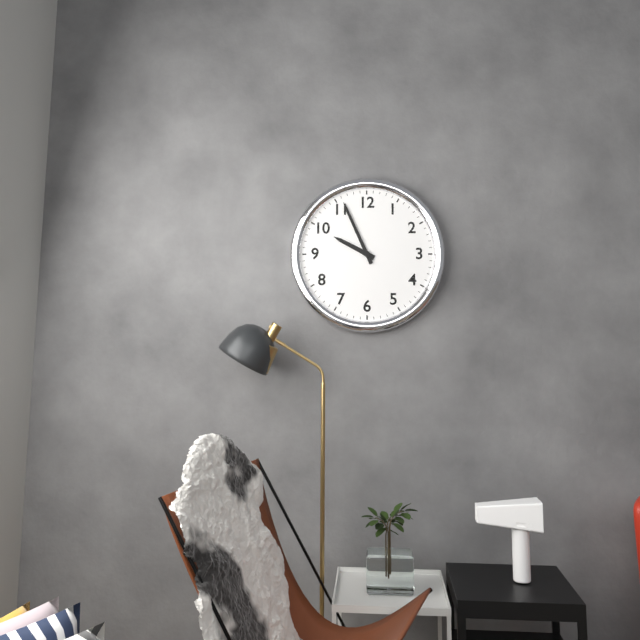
9:56
